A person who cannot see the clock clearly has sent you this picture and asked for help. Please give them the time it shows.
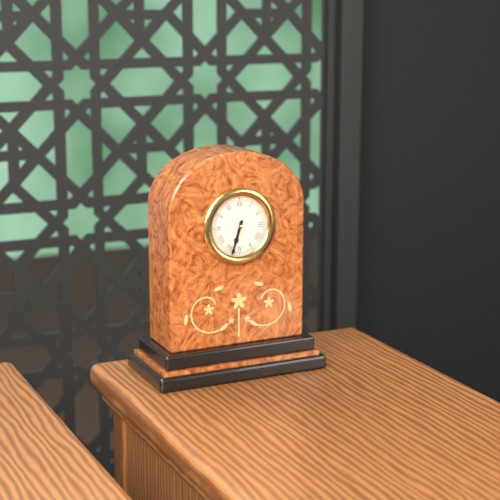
6:33
